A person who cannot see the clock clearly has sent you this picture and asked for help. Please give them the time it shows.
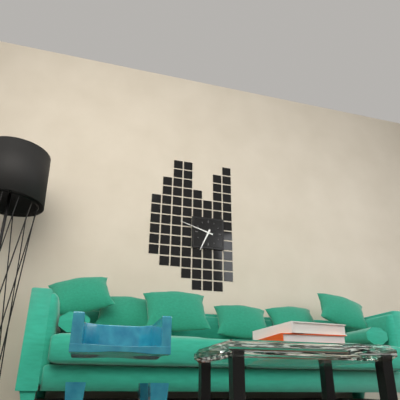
6:48
